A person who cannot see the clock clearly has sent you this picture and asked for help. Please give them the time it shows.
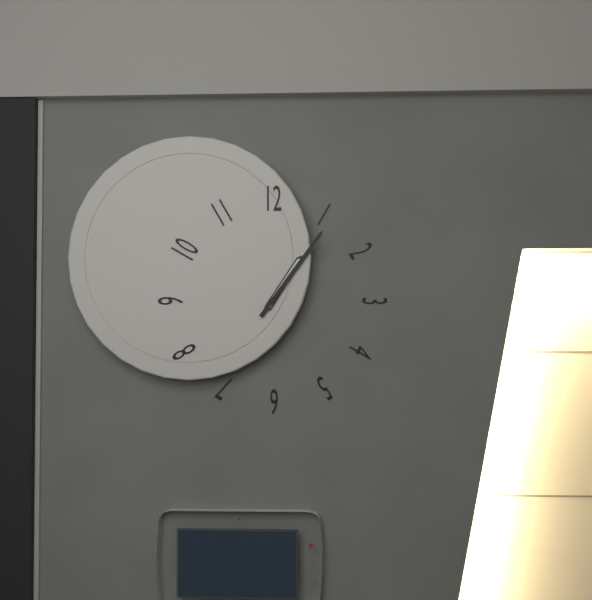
1:06
